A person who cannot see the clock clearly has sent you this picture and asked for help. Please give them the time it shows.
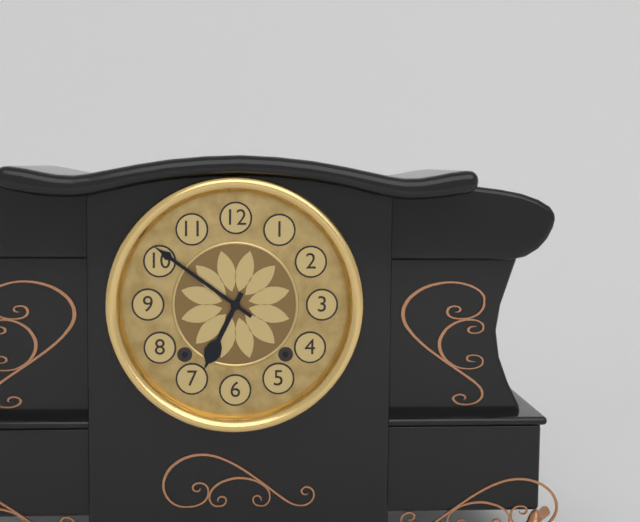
6:51
